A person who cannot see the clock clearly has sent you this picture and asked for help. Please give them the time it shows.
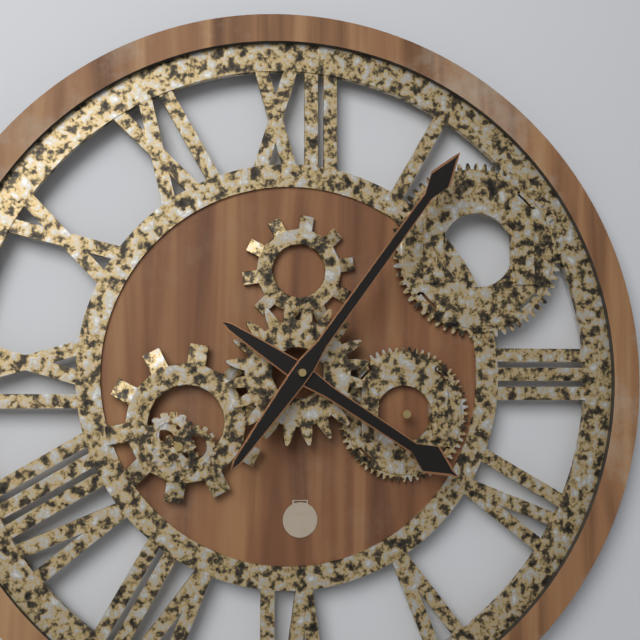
4:06
